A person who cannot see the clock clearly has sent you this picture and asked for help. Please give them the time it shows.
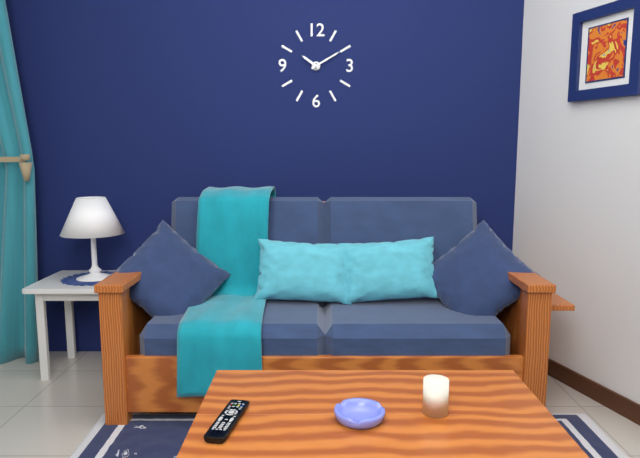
10:10
